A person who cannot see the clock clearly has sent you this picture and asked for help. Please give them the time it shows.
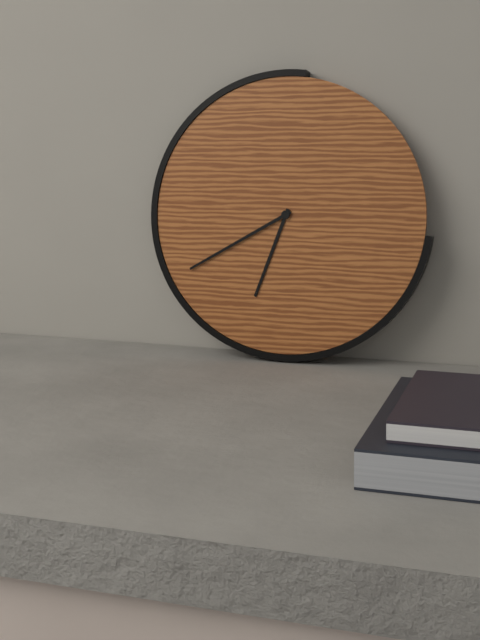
6:40
